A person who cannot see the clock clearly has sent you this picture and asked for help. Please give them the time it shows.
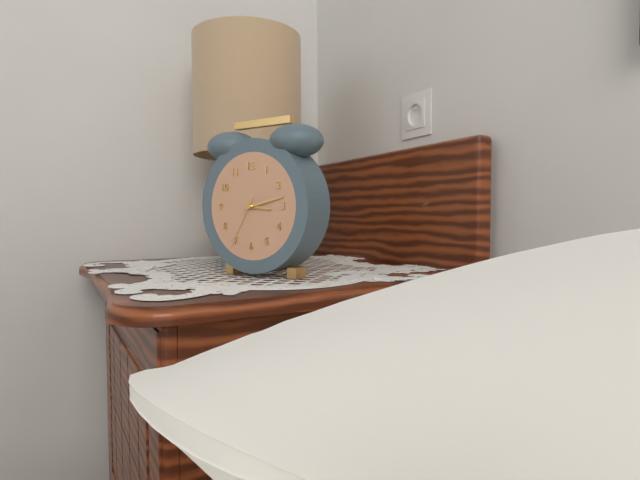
3:13:35
